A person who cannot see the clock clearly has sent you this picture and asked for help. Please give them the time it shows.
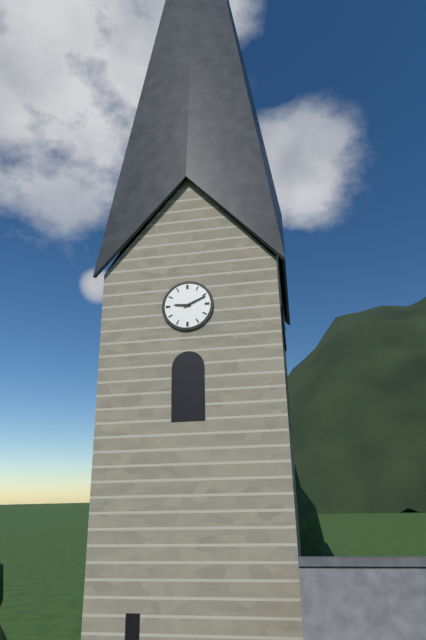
9:11
